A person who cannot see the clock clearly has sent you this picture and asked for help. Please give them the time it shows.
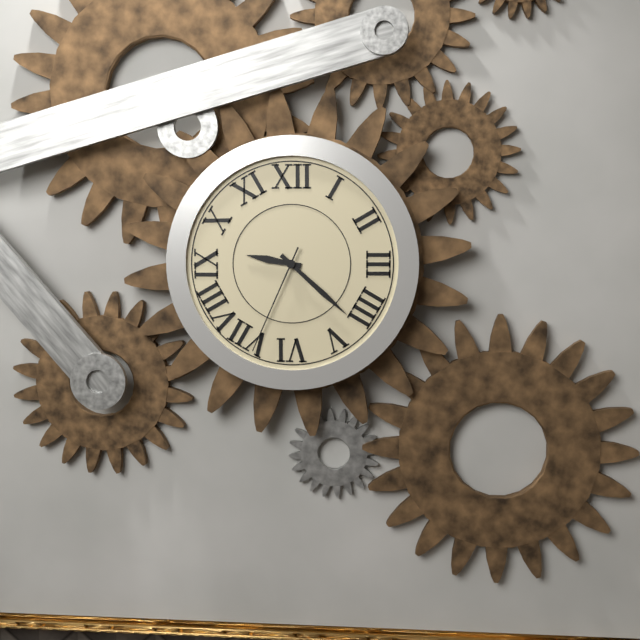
9:22:34
